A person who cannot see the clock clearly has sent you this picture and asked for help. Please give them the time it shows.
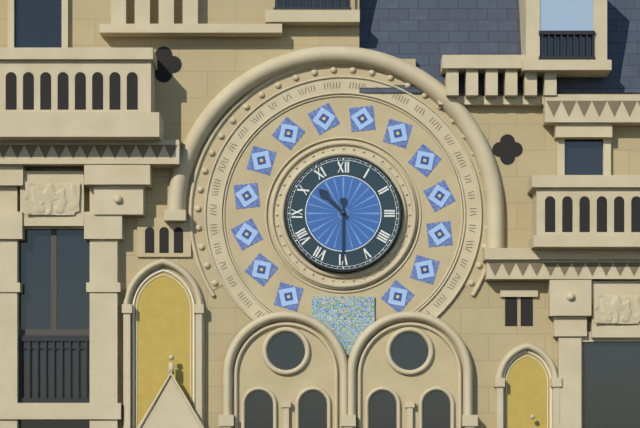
10:30
